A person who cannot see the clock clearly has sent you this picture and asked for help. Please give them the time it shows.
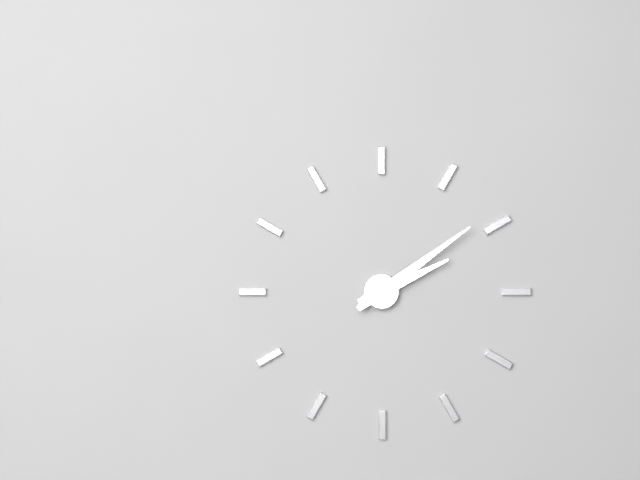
2:09
